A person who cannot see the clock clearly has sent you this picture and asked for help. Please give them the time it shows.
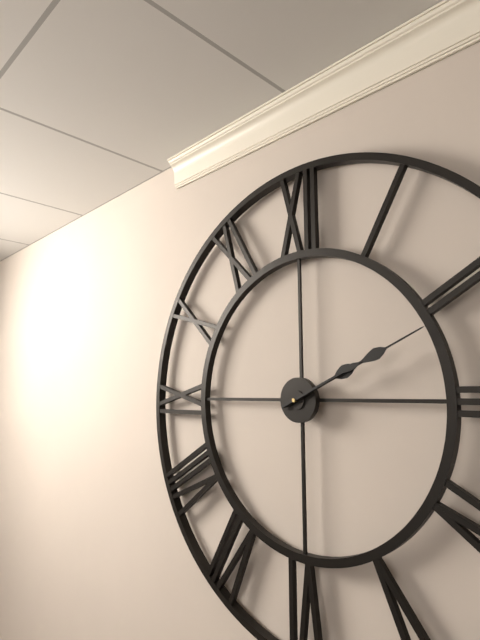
2:11:11
